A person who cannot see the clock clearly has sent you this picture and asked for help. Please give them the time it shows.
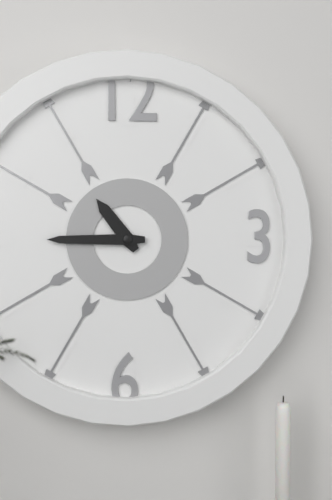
10:45
